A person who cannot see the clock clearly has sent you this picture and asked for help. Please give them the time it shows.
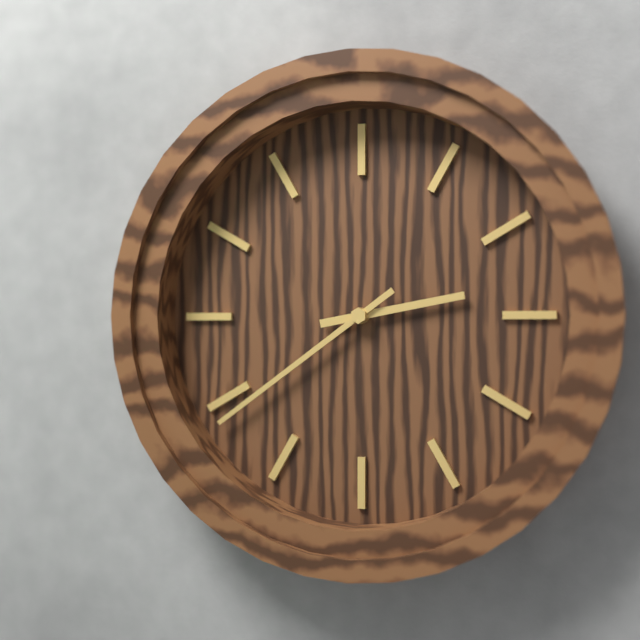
2:39
